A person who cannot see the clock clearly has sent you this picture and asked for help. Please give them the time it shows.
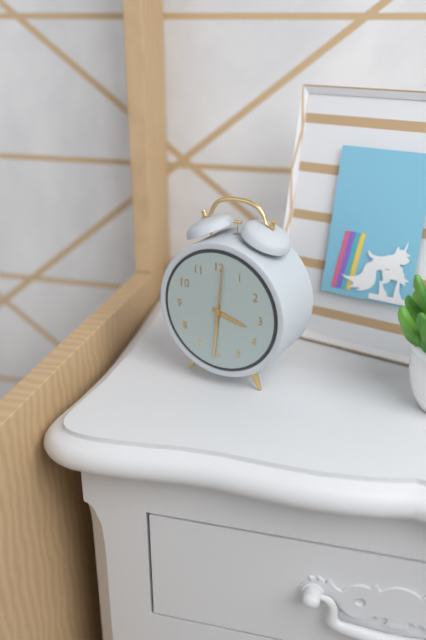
3:31:01
